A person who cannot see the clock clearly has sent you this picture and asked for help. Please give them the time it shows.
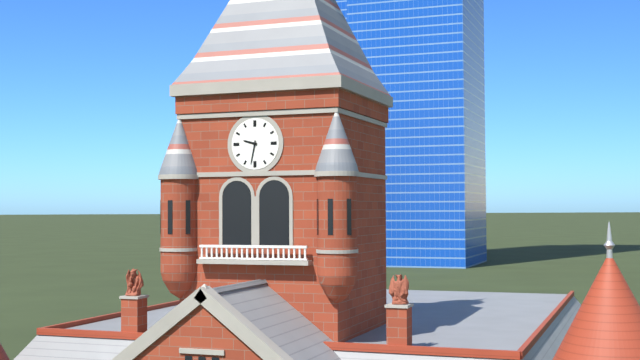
9:32
